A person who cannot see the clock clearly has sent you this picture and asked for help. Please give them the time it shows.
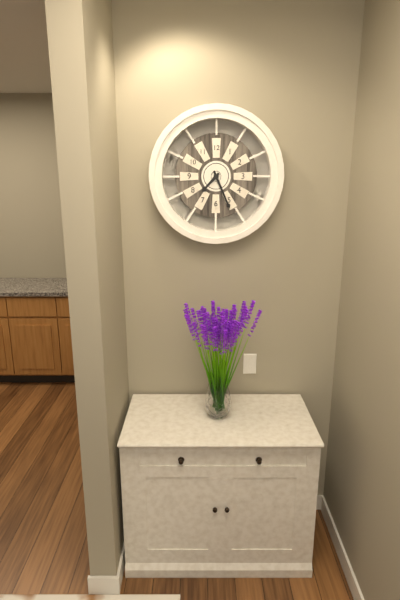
7:26
